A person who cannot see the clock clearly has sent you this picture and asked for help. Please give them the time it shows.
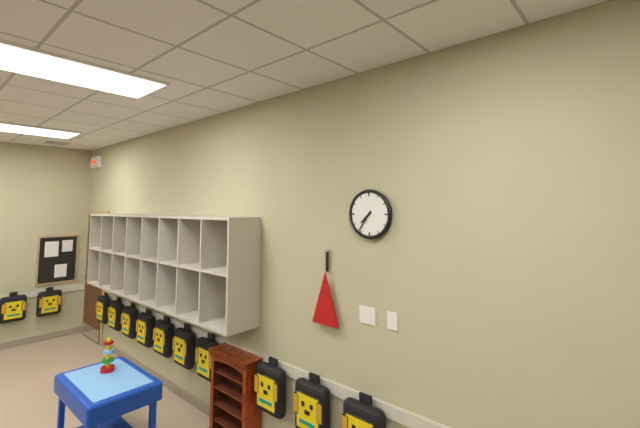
7:36
